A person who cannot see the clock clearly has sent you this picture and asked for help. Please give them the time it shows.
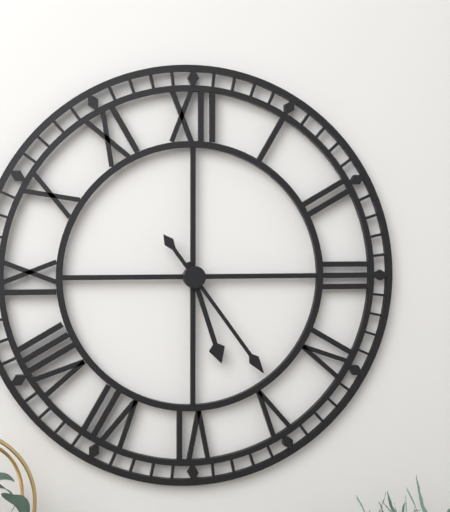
5:24
